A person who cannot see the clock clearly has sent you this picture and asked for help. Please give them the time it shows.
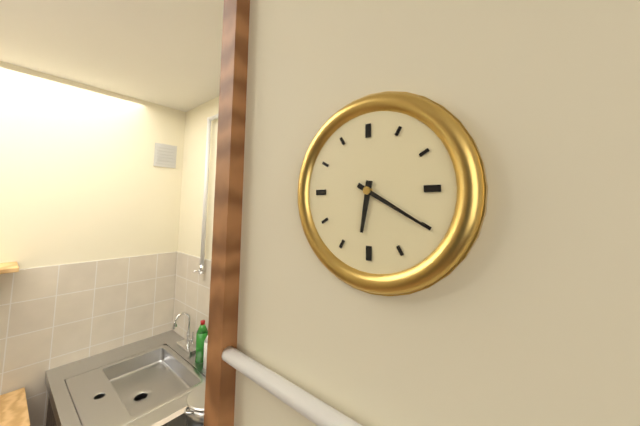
6:20
